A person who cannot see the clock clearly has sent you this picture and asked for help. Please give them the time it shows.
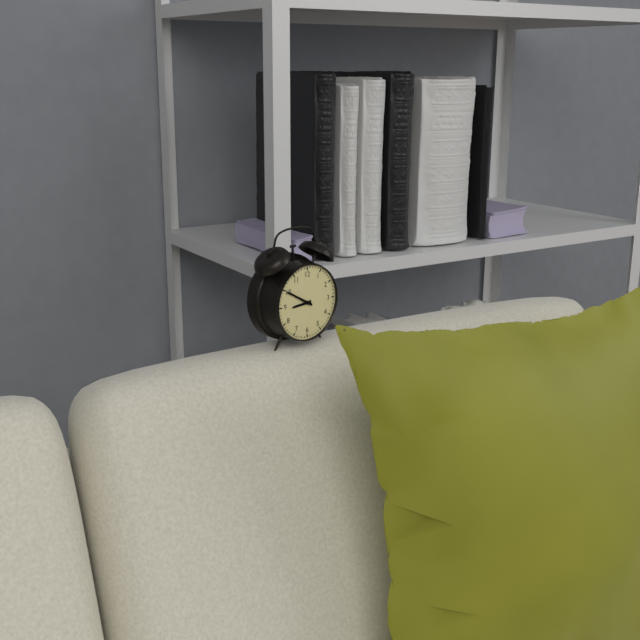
8:50
